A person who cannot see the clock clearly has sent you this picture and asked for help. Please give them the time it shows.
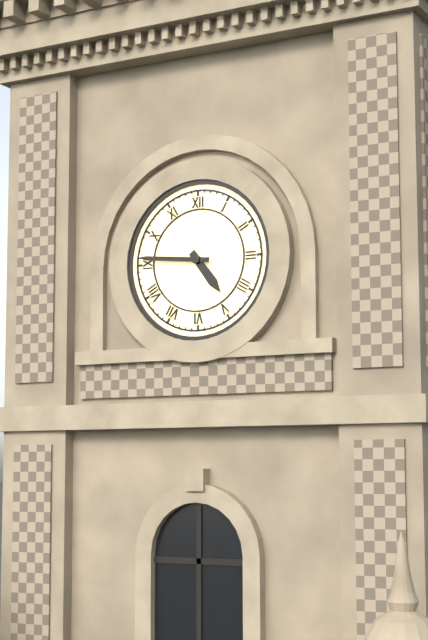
4:46
